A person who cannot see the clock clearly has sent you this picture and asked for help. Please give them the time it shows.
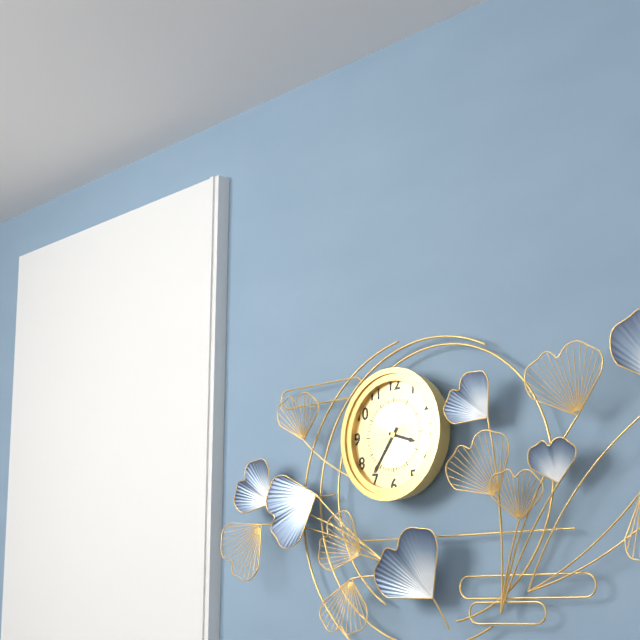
3:36
